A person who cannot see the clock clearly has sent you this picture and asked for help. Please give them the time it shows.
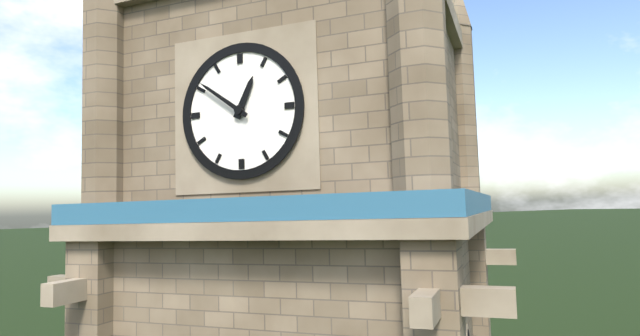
12:51
